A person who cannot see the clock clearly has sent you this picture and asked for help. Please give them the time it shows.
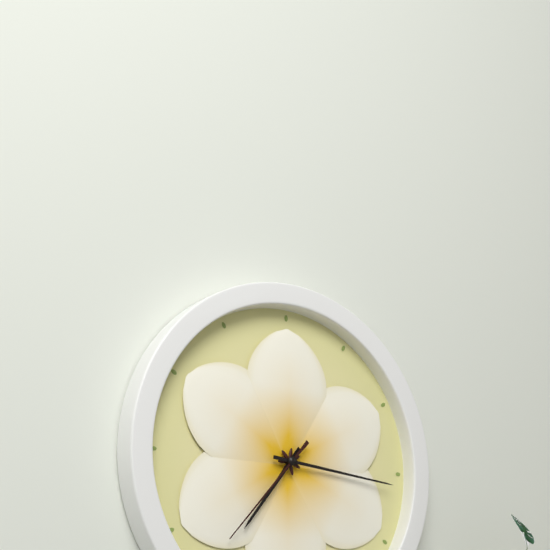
7:16:37
